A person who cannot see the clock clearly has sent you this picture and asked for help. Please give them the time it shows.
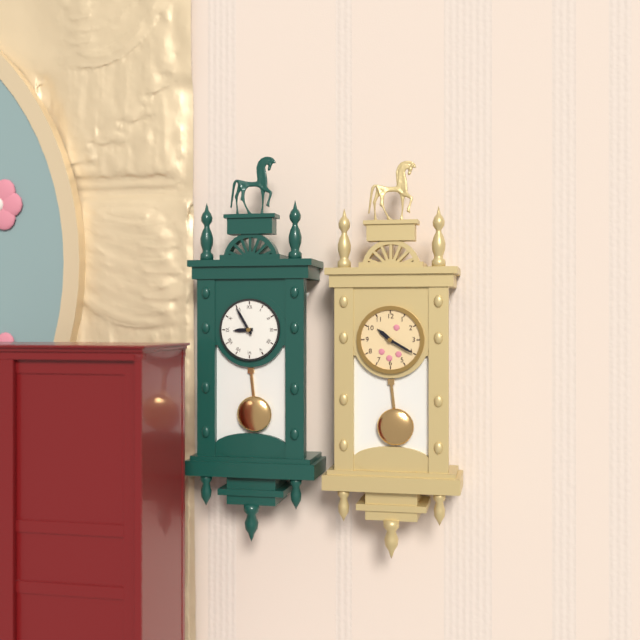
8:55
